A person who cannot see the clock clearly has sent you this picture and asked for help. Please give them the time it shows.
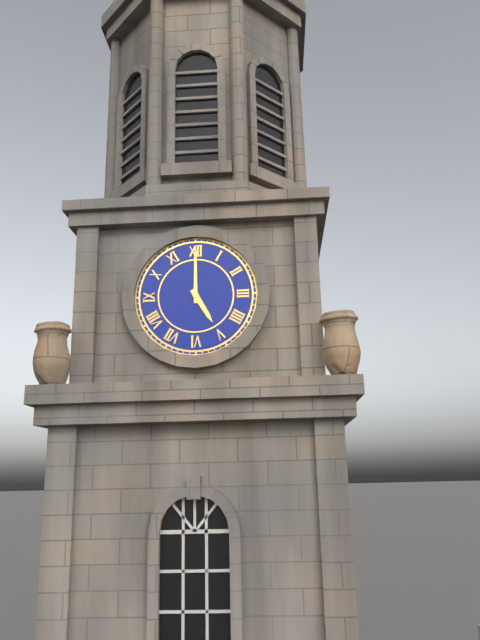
5:00
